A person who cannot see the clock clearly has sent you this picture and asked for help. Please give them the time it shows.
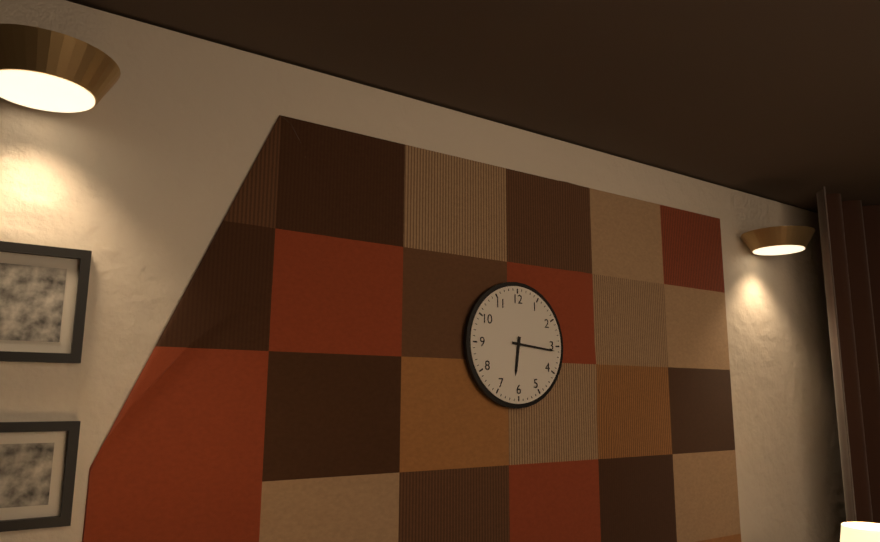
6:16
